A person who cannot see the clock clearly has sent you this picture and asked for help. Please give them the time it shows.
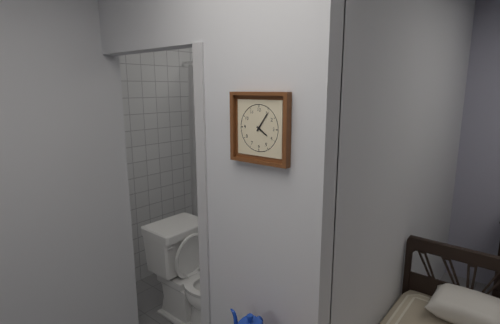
4:06
